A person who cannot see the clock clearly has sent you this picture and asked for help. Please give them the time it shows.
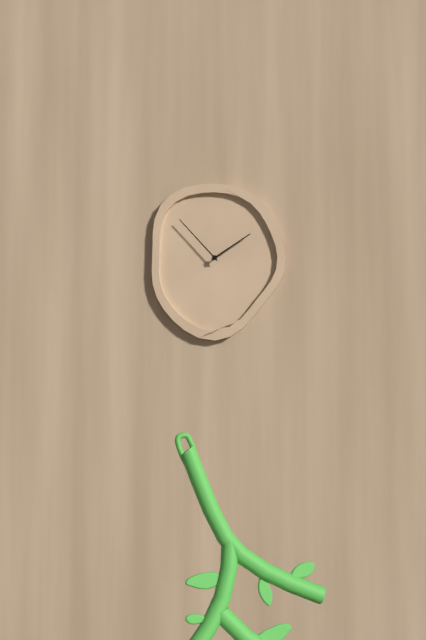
1:53
